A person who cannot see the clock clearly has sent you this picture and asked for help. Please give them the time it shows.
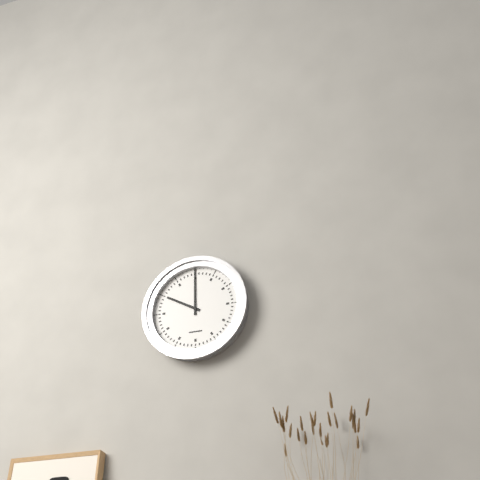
10:00
